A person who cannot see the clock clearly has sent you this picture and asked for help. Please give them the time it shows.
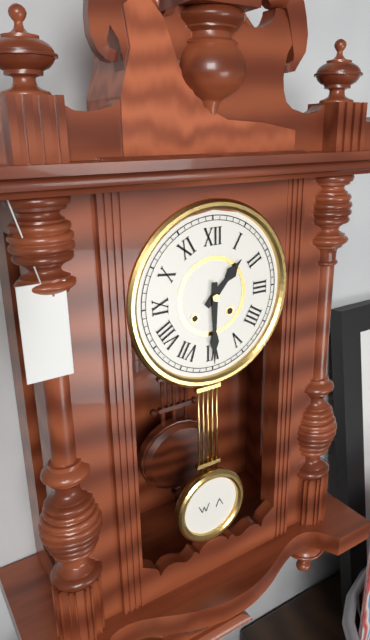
1:30
